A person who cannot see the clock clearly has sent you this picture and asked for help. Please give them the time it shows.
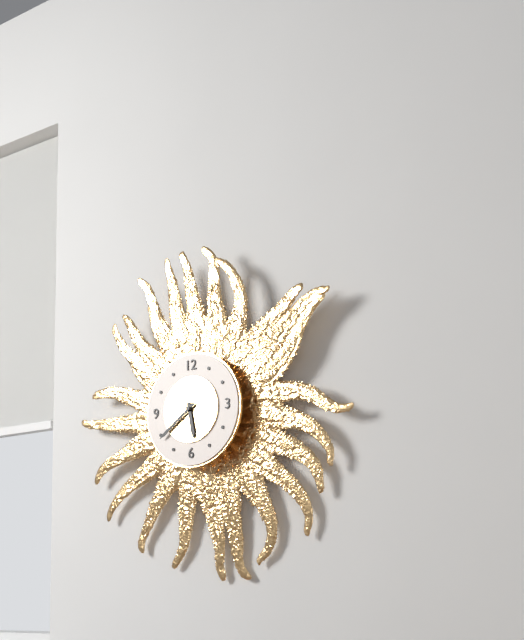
5:39
